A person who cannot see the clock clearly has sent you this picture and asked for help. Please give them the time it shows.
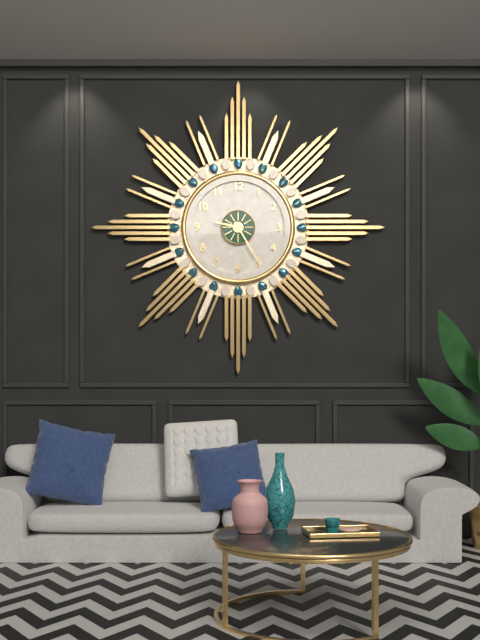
9:25
